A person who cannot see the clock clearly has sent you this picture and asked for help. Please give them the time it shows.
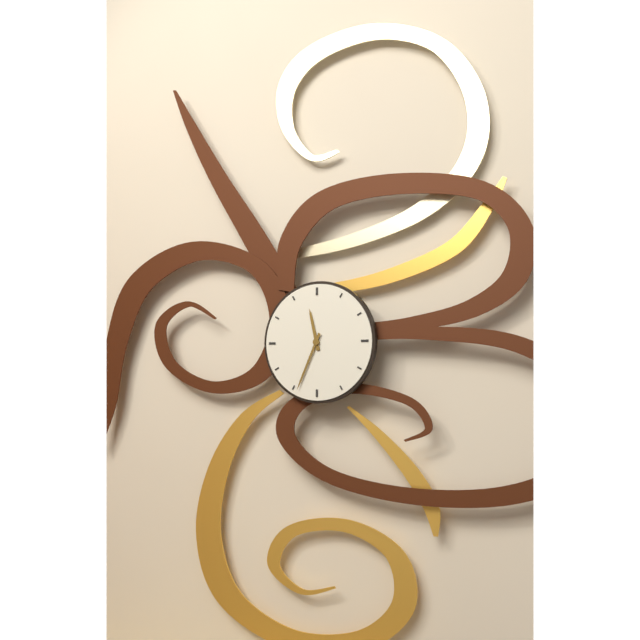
11:34
